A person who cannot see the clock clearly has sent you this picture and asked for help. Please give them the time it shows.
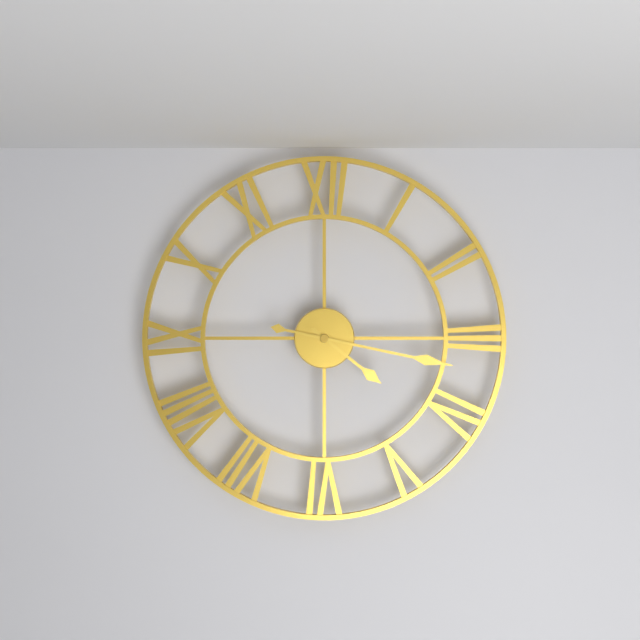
4:17
